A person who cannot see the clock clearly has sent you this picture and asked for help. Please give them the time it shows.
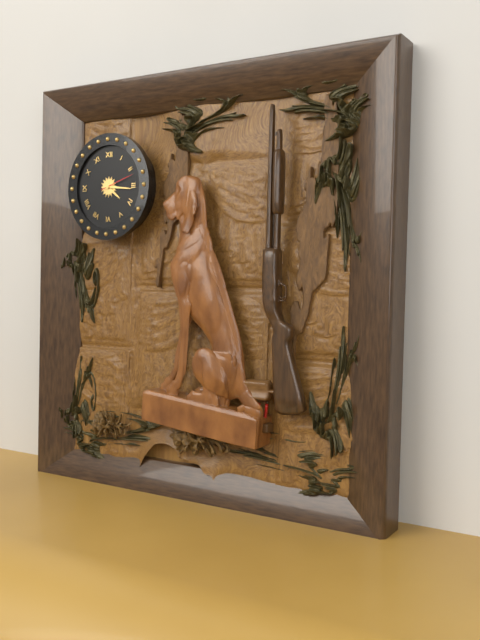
4:16
